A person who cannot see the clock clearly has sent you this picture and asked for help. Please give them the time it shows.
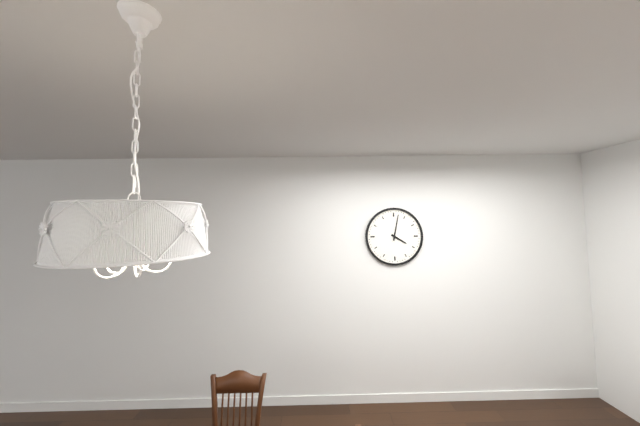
4:02
